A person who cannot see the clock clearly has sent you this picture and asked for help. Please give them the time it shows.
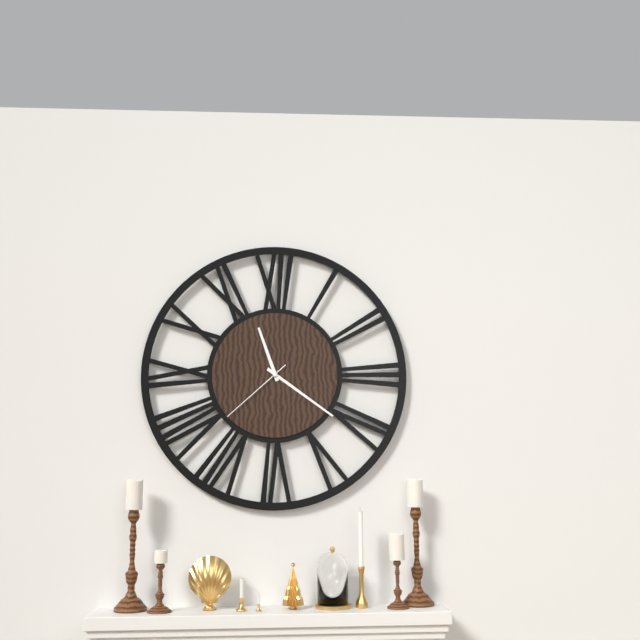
11:21:38
